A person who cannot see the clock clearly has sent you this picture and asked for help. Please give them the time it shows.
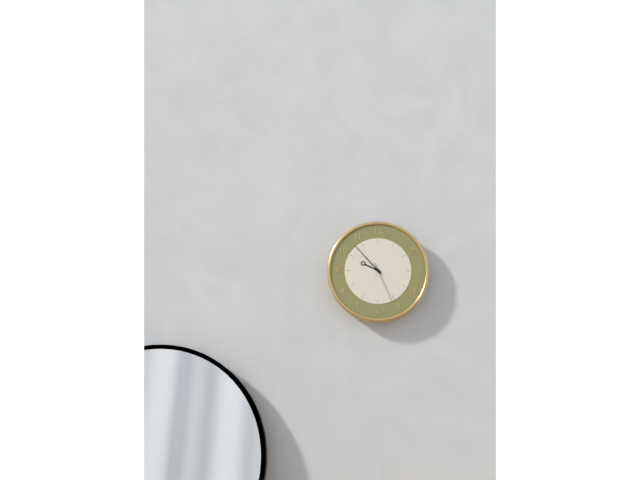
9:53
